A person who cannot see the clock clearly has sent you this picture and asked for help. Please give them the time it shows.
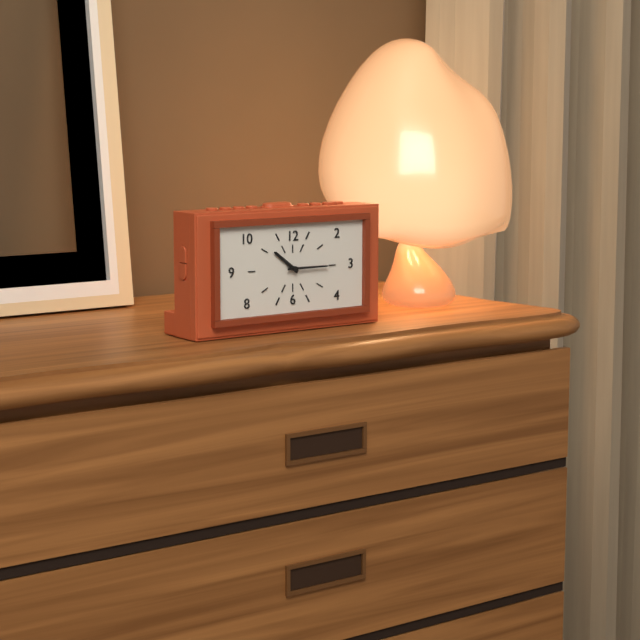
10:15
